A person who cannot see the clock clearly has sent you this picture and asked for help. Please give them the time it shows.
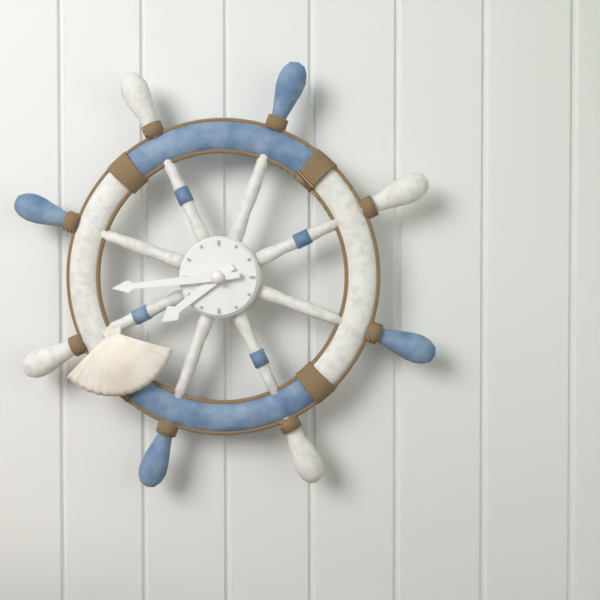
7:44
